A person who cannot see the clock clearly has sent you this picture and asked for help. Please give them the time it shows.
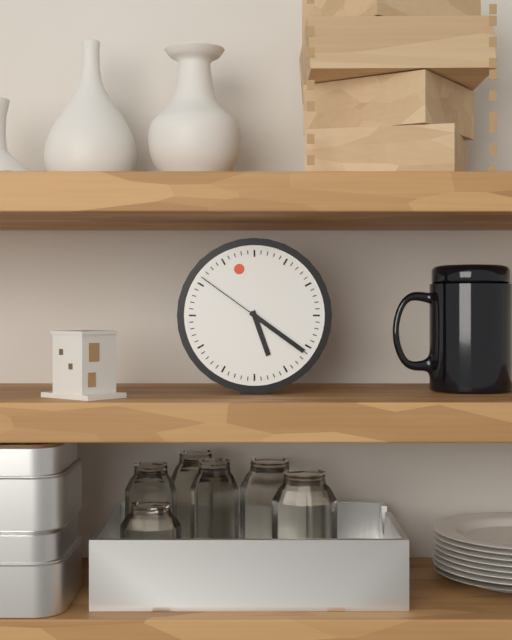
5:21:51
